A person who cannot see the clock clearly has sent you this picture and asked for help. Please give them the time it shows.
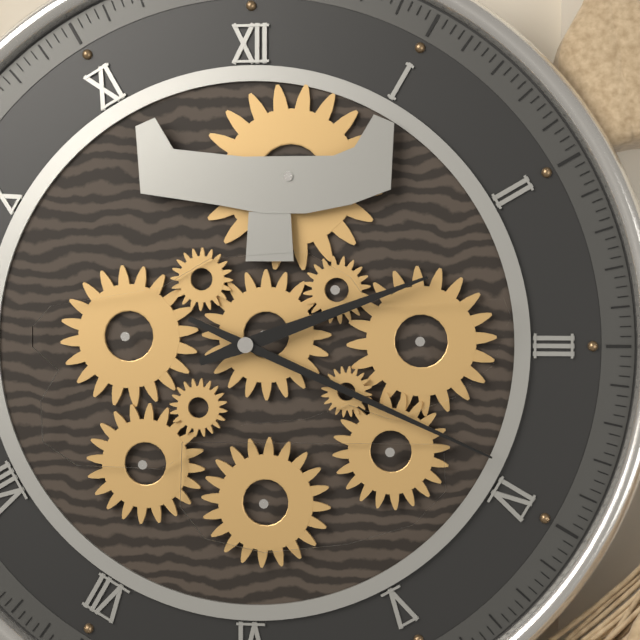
2:19
